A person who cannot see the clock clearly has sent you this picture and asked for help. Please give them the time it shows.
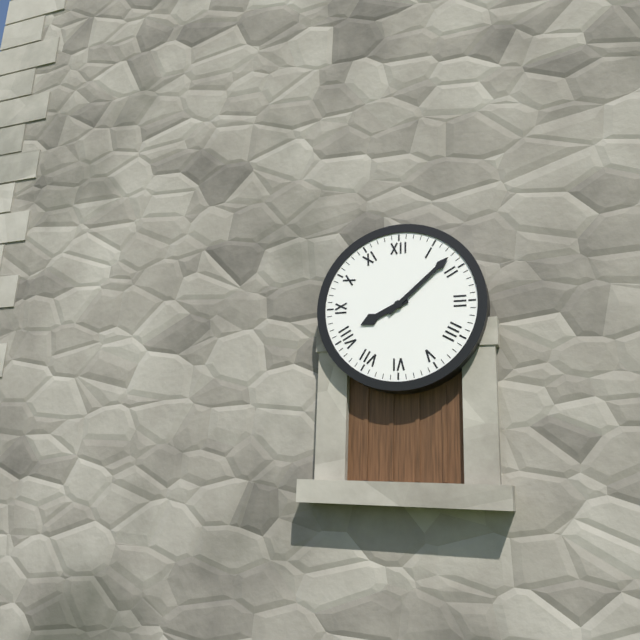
8:08
